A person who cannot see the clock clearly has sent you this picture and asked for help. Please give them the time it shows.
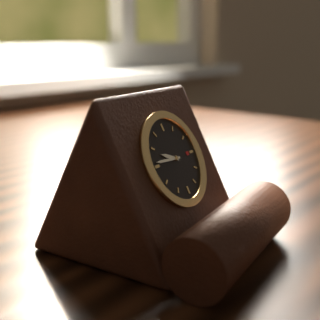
9:46
